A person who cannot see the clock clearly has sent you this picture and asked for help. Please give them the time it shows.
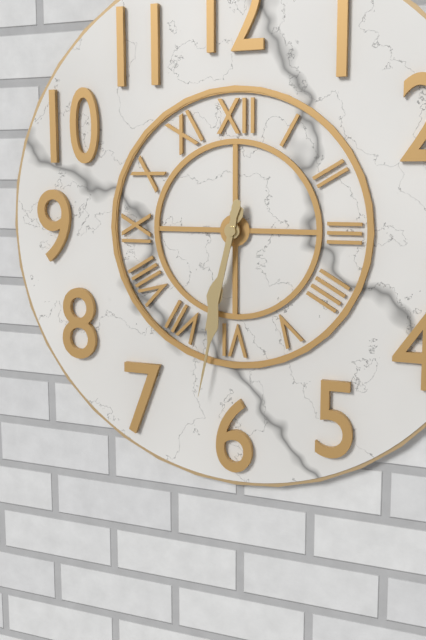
6:32
